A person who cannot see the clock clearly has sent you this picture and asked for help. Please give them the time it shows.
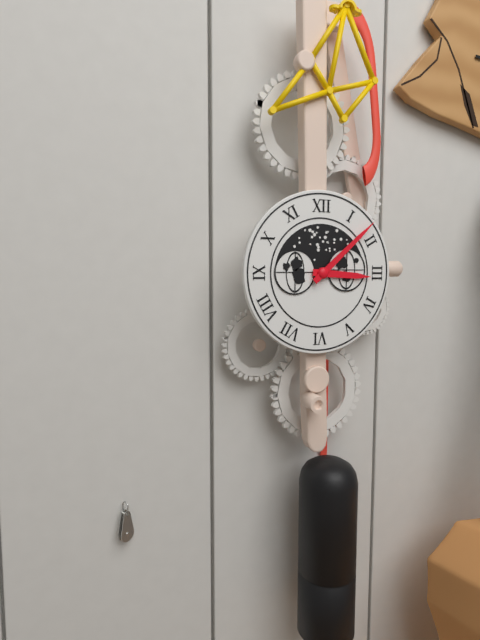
3:08
